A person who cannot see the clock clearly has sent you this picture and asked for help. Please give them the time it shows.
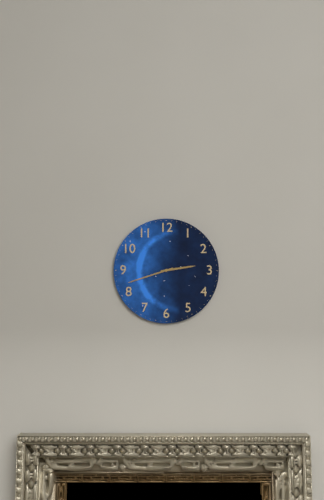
2:42
